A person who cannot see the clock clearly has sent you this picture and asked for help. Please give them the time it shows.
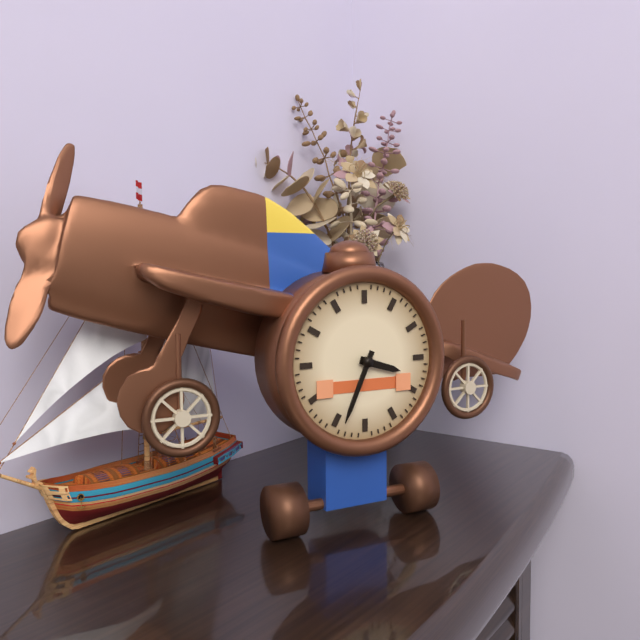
3:34
